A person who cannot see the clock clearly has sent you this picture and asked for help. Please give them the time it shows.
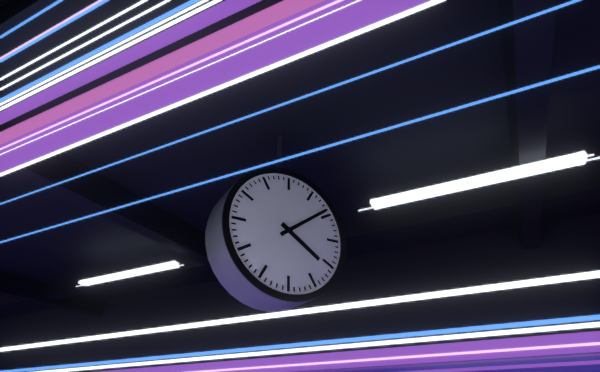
4:09
